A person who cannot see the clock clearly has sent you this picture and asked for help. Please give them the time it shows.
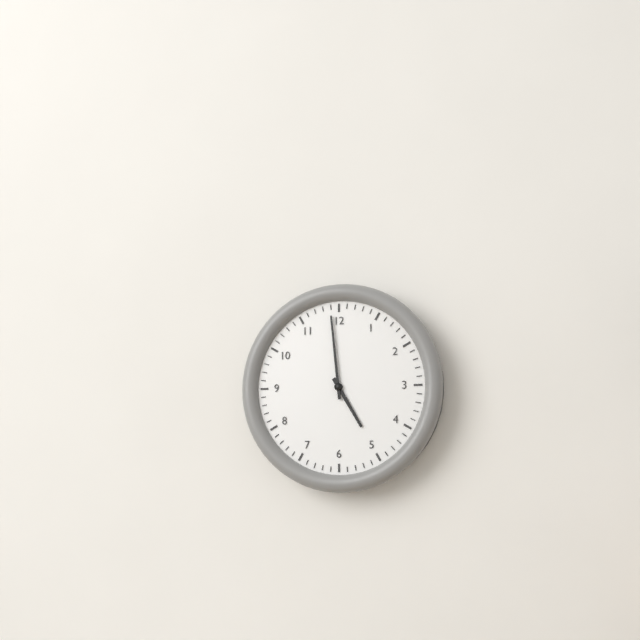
4:59
